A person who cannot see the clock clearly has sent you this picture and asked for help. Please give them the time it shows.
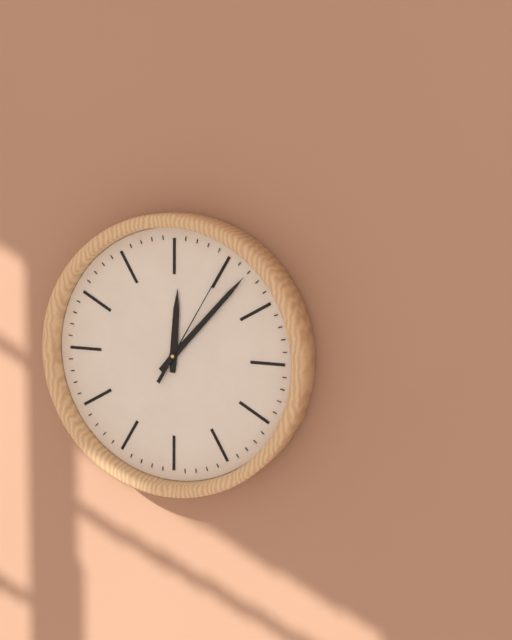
12:07:05
